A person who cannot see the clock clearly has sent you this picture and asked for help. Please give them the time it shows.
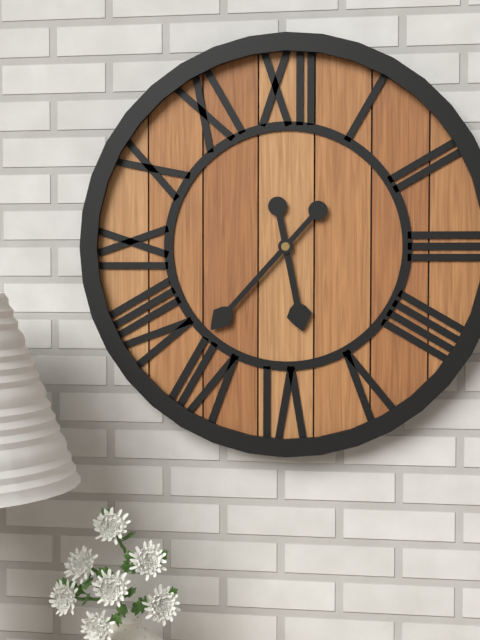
5:37
